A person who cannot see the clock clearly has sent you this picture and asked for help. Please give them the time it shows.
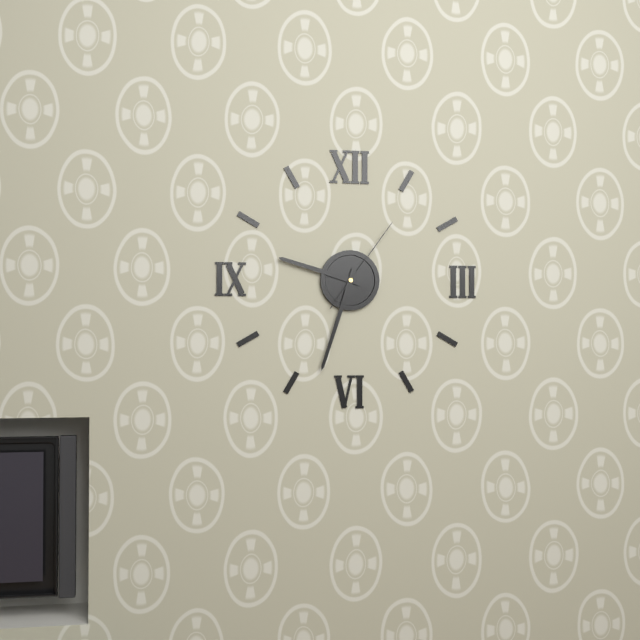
9:33:06
